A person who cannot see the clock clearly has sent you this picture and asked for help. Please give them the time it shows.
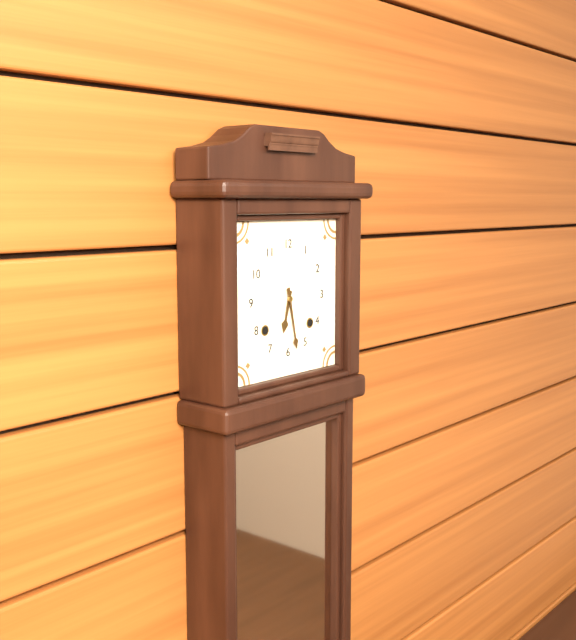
6:28
